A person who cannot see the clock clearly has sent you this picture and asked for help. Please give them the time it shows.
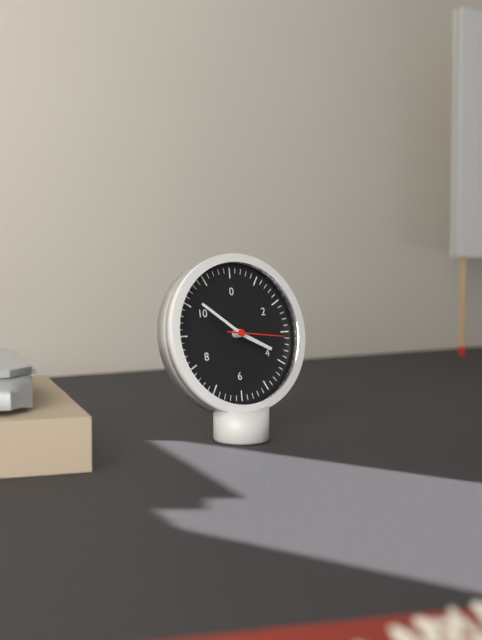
3:51:16
